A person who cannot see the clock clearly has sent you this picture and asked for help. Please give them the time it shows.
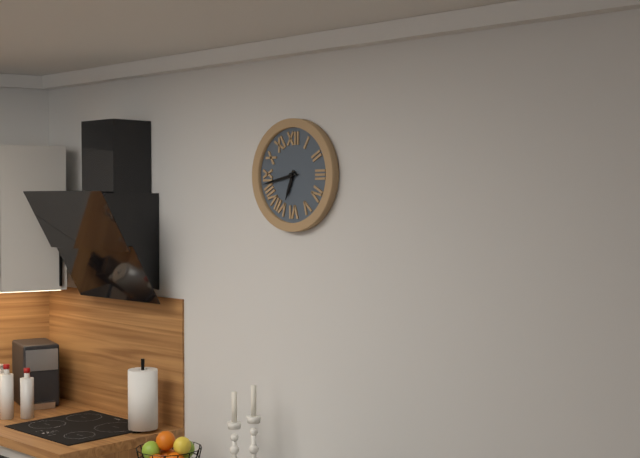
6:43
